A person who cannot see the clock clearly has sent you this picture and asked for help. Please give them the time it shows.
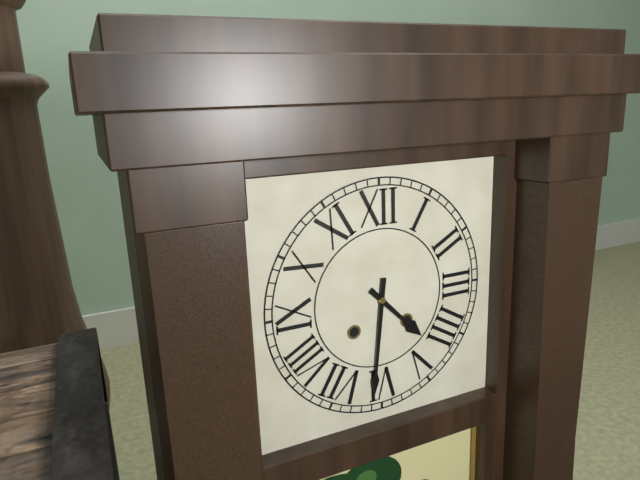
4:31
